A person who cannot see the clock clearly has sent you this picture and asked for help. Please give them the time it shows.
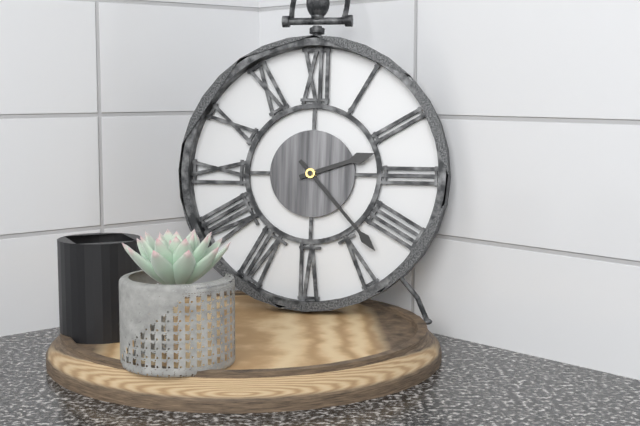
2:23
